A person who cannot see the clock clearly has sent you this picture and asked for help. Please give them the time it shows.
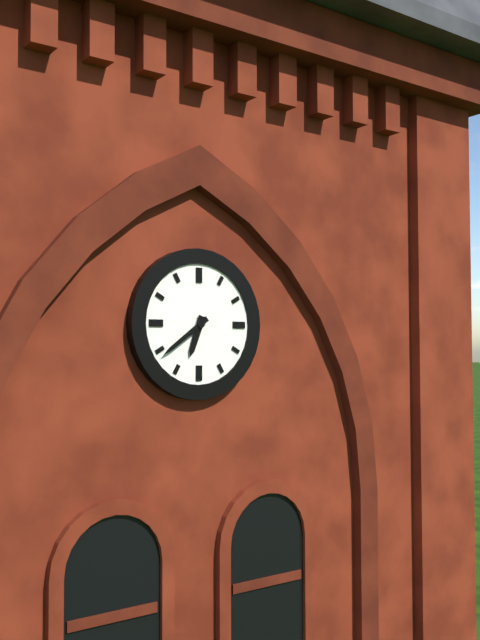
6:39
